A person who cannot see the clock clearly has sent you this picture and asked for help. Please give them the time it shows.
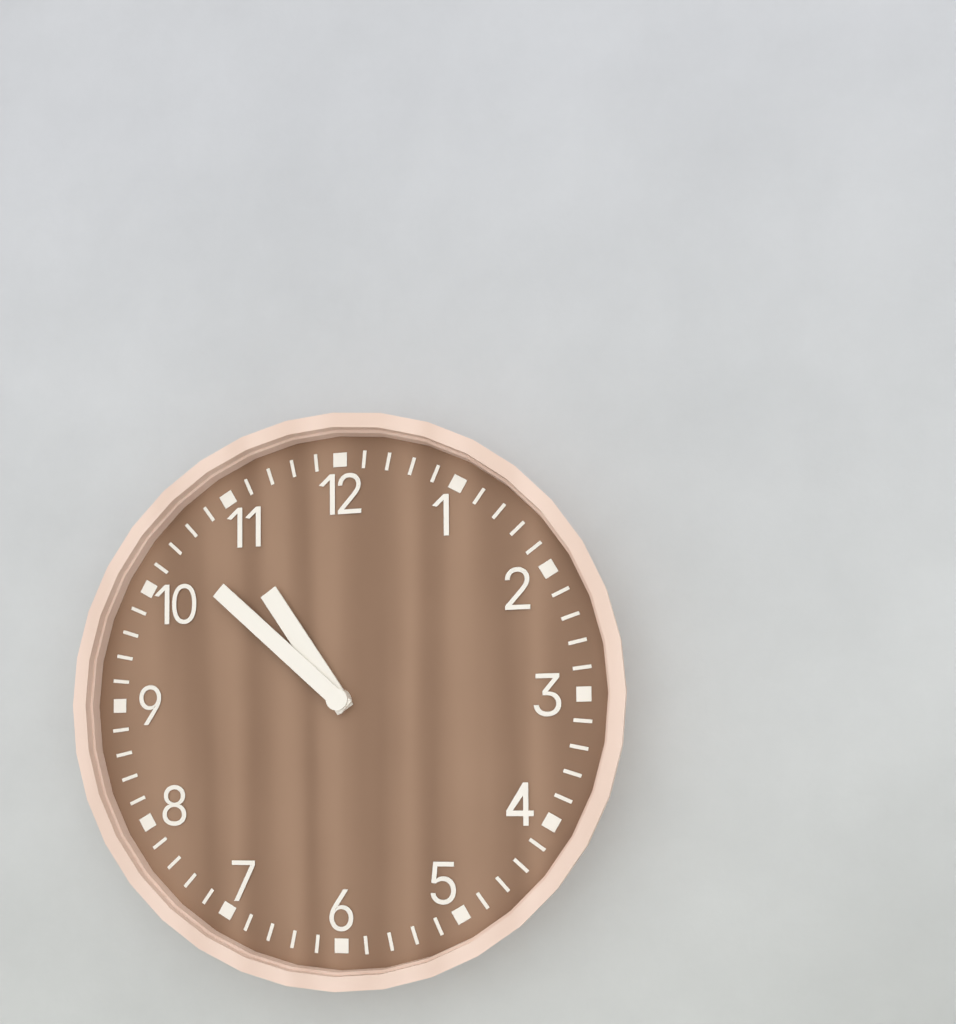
10:52
